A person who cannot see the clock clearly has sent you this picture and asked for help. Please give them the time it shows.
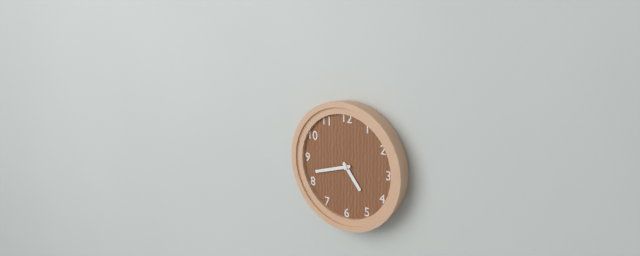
4:42
